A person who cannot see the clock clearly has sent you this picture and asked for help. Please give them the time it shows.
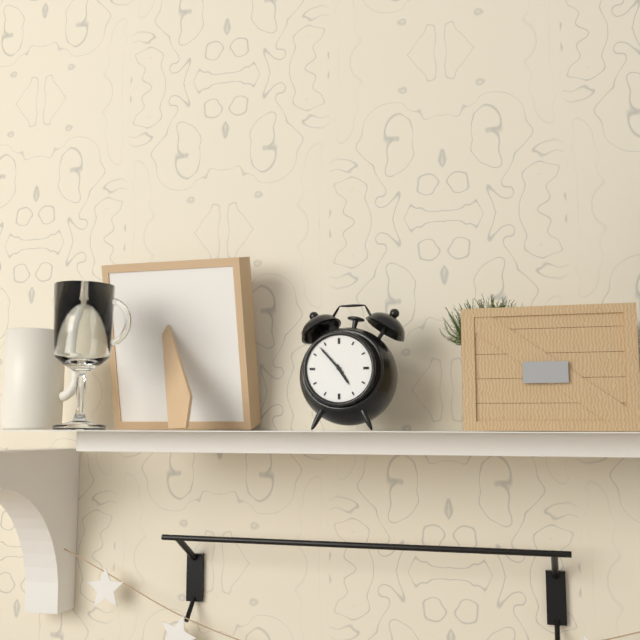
4:53
